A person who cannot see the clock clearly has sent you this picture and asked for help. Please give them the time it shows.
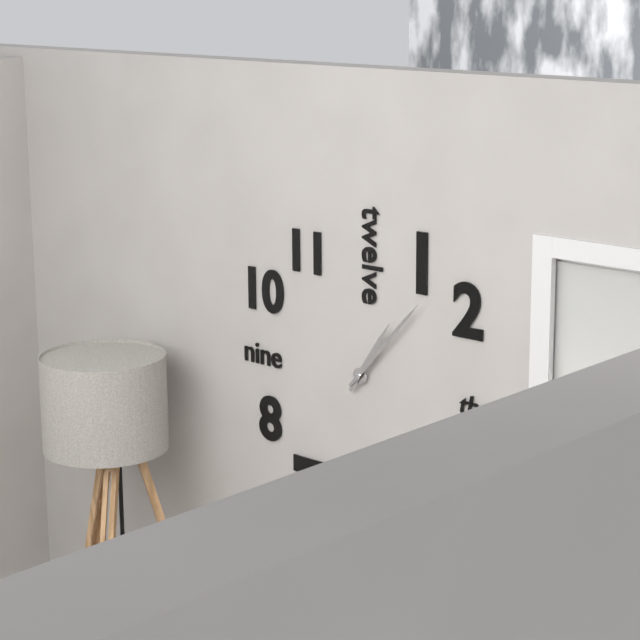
1:07
